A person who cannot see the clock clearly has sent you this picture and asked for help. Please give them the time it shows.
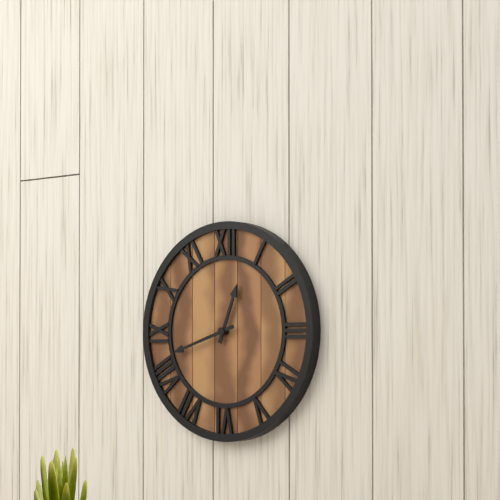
12:42
